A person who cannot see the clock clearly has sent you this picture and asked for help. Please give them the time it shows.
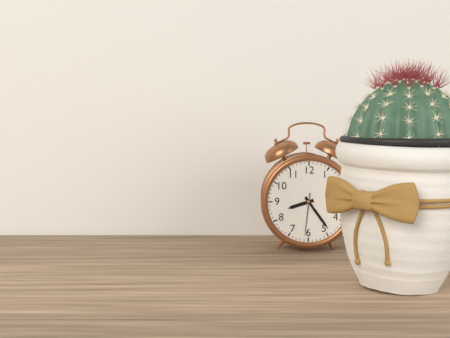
8:24
